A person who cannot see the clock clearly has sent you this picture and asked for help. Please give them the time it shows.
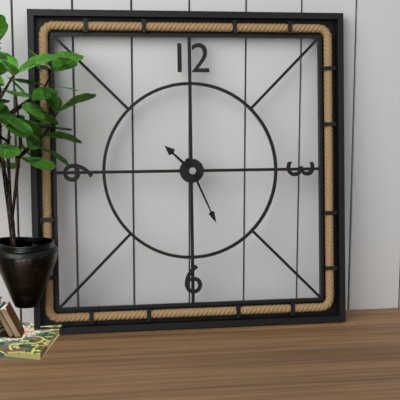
10:26
